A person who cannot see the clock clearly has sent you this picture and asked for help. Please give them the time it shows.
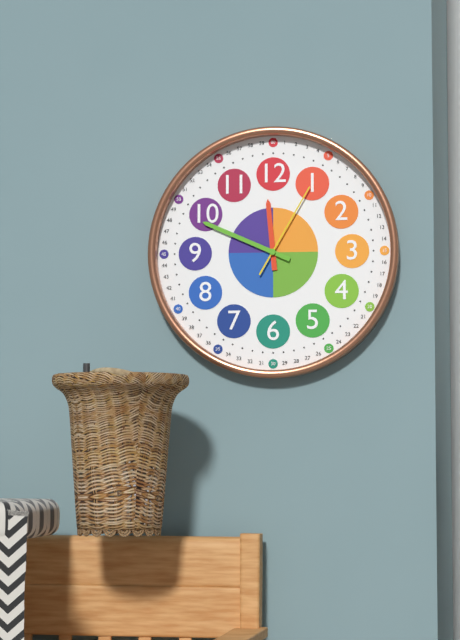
11:49:05
